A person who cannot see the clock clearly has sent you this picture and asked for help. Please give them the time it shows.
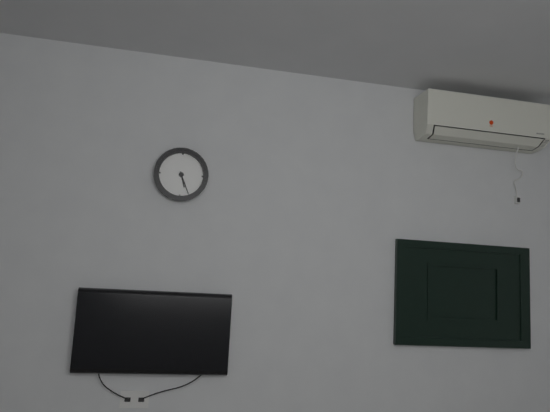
5:26
